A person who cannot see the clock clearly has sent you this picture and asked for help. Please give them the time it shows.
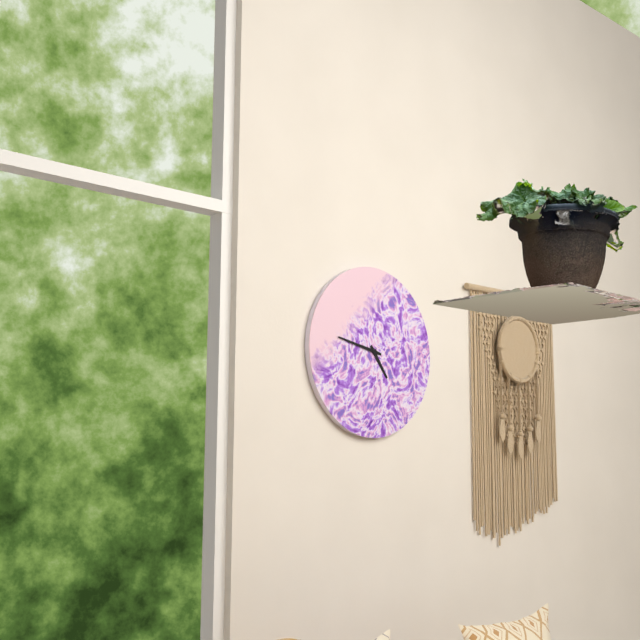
4:47
